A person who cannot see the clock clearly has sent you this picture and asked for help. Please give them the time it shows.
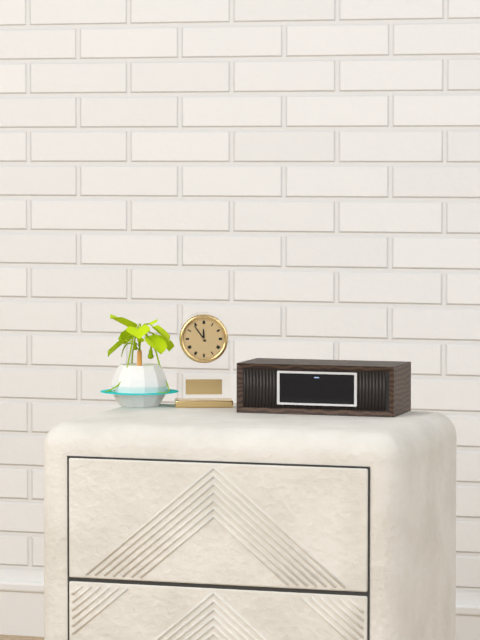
11:54
